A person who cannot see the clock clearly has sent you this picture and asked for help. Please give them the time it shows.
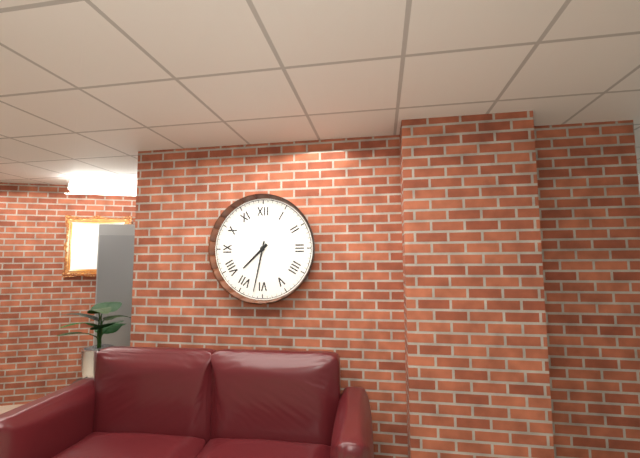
7:32
